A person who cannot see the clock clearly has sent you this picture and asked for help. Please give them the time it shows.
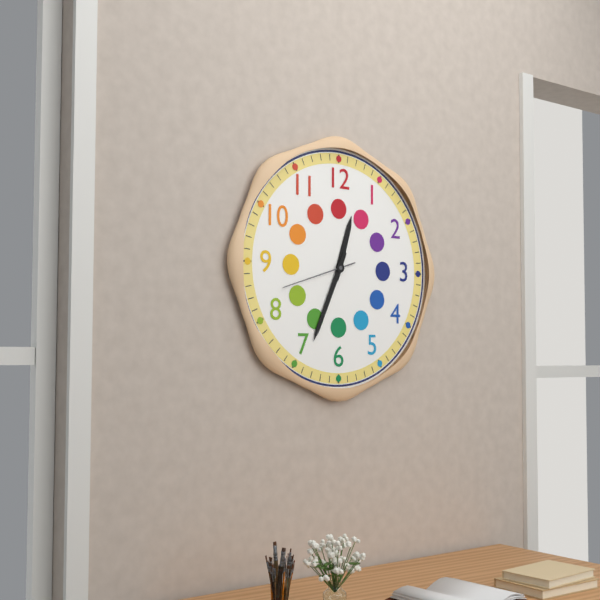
12:34:42
